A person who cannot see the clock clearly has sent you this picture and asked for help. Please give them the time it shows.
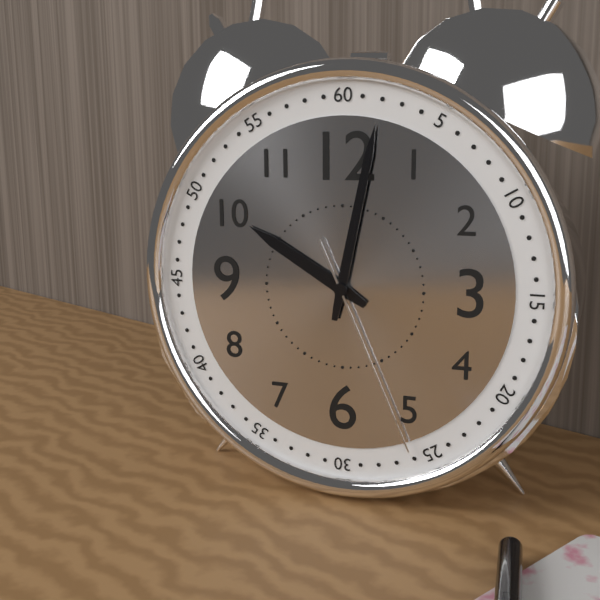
10:02:26
